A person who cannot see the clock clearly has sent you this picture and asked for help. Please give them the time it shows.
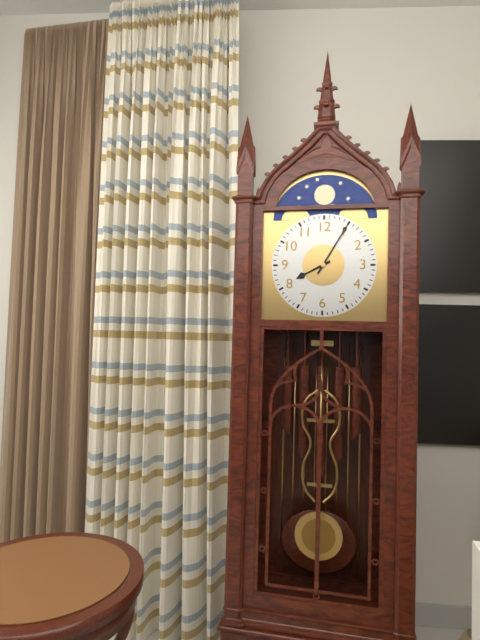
8:05
